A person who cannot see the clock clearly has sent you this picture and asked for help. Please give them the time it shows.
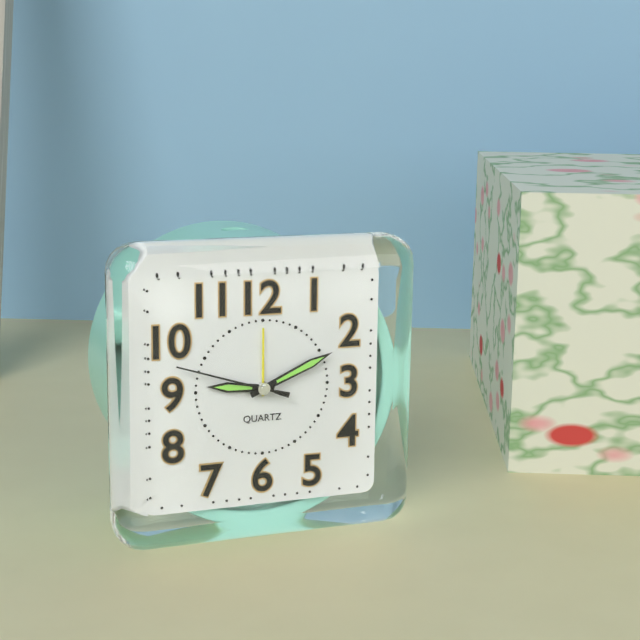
9:11:48
